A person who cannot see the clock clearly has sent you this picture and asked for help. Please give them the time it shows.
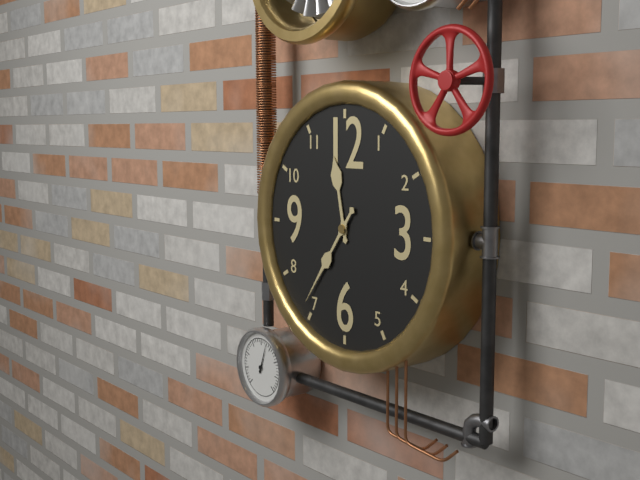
11:36
